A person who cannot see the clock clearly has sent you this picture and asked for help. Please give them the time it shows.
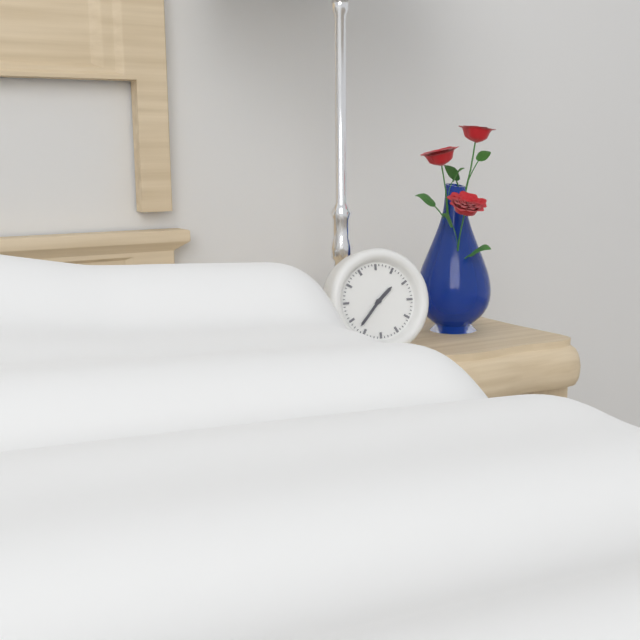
1:37
